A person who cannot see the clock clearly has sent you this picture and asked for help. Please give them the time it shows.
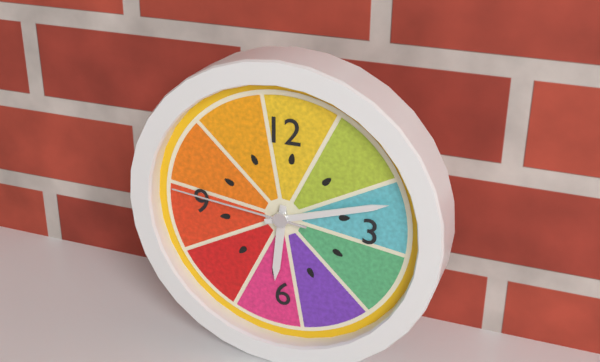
6:12:46
